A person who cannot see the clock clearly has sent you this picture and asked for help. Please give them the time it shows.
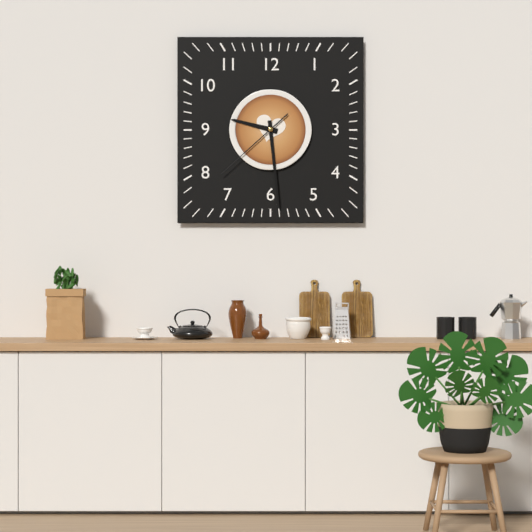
9:29:38
